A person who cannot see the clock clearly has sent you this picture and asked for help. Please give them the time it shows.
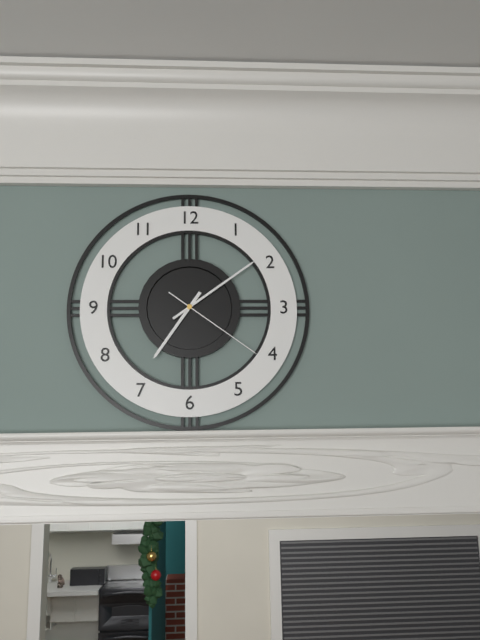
7:09:21
